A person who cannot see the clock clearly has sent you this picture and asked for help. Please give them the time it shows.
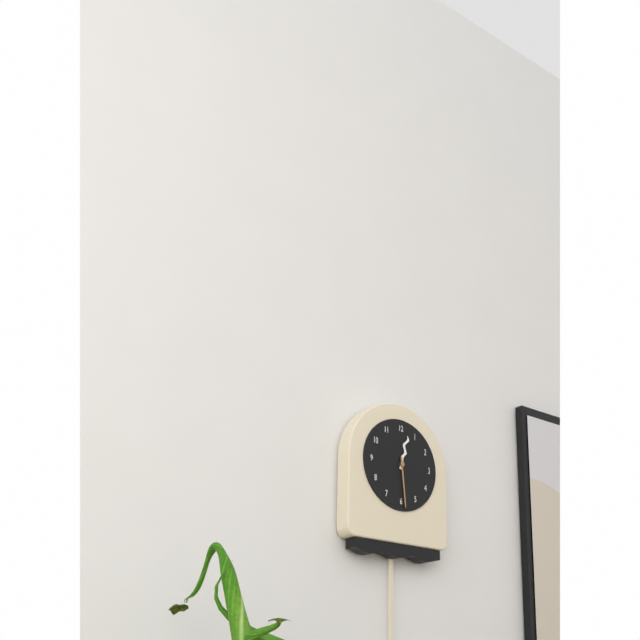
12:29
